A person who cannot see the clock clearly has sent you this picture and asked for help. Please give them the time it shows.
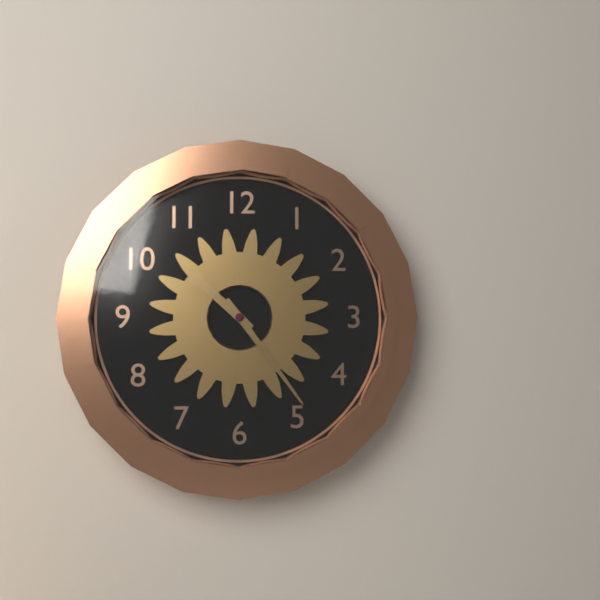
10:24
